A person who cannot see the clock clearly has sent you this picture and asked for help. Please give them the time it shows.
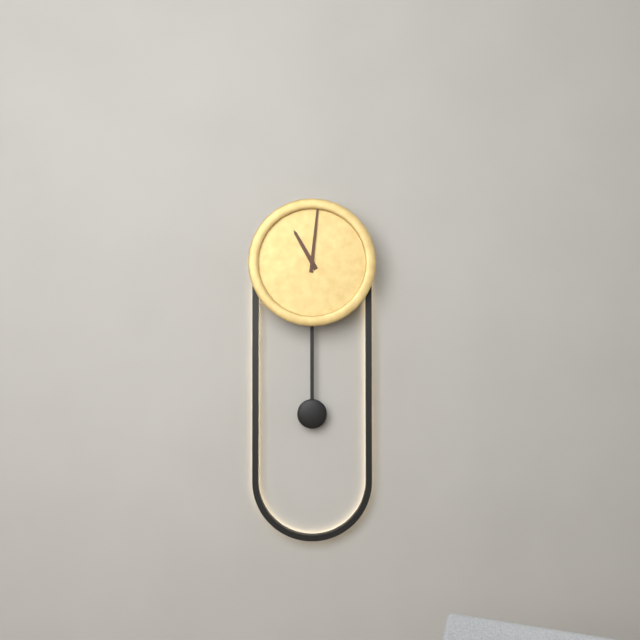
11:01
